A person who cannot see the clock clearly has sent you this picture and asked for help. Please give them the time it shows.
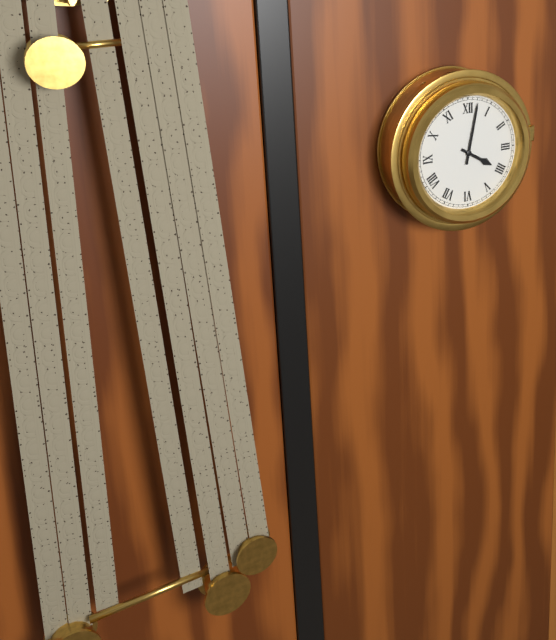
4:02
